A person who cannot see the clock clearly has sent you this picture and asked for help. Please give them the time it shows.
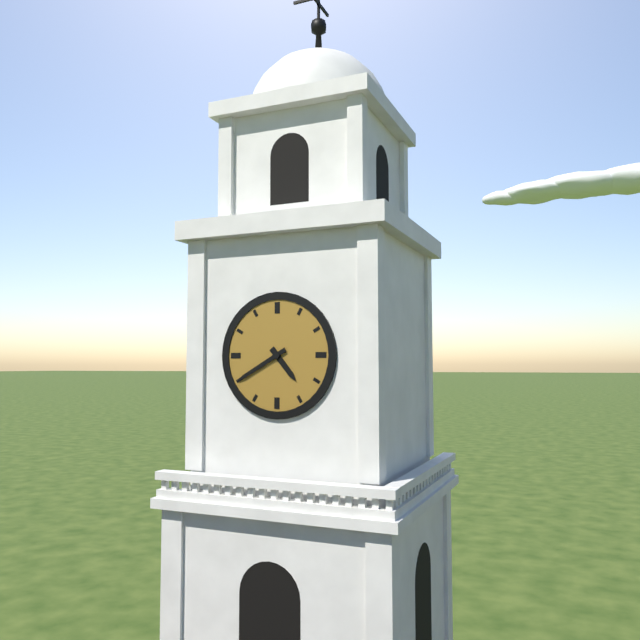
4:40
